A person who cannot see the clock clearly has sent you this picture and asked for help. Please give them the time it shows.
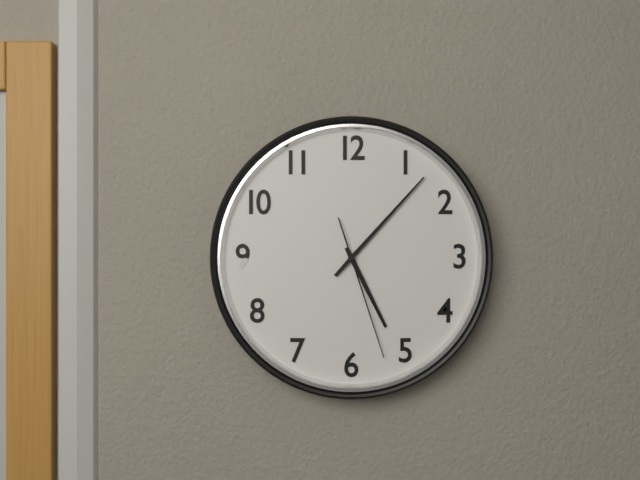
5:07:27
